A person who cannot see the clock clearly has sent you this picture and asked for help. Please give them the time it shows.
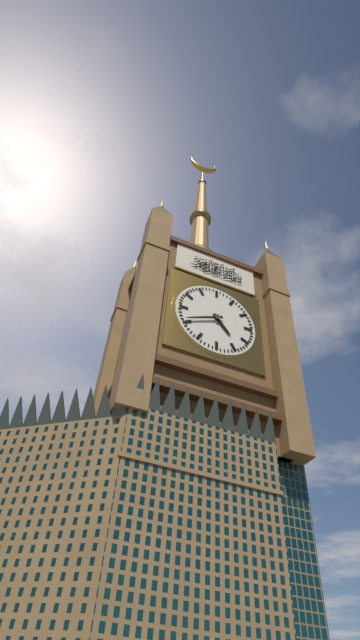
4:41
